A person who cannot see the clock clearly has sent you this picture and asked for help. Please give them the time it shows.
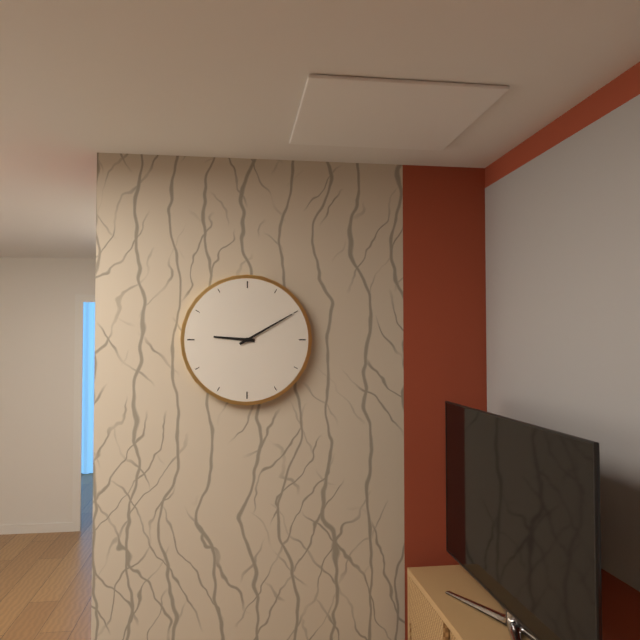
9:10
